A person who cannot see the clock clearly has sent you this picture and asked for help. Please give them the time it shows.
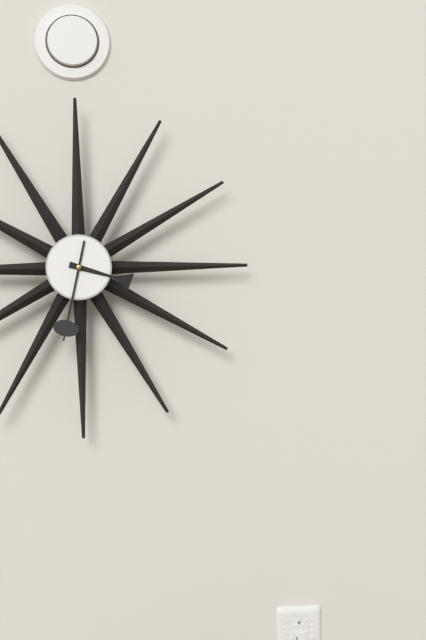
3:32
